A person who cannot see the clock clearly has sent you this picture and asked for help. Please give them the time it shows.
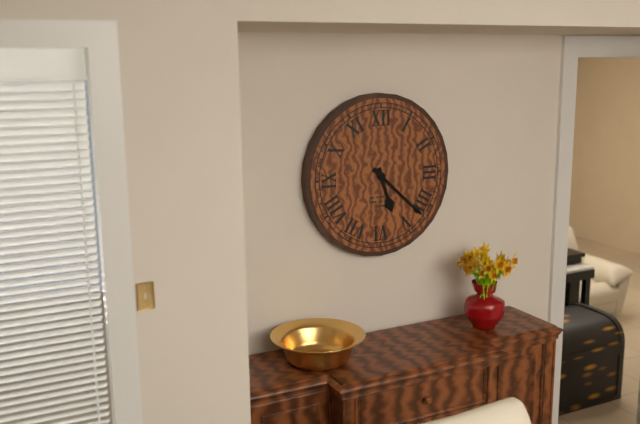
5:22
